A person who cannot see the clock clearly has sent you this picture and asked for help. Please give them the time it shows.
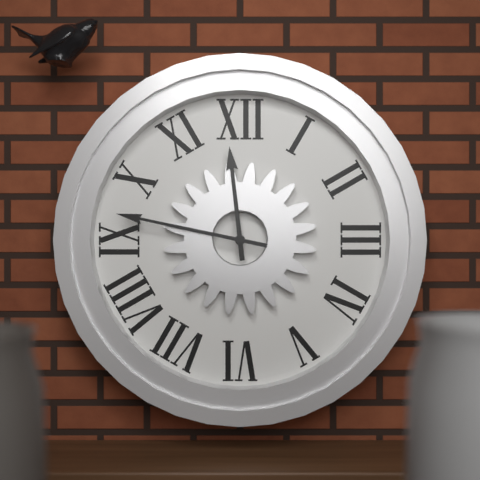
11:47
